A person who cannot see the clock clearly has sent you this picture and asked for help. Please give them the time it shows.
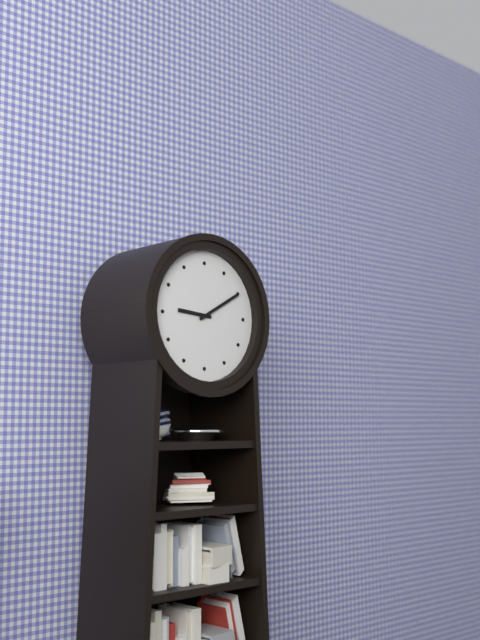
9:10
